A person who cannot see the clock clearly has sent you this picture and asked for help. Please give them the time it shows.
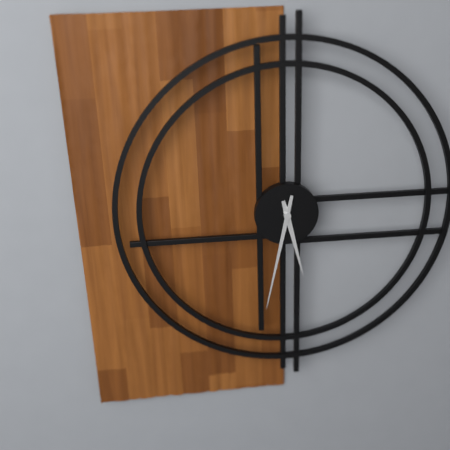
5:32
